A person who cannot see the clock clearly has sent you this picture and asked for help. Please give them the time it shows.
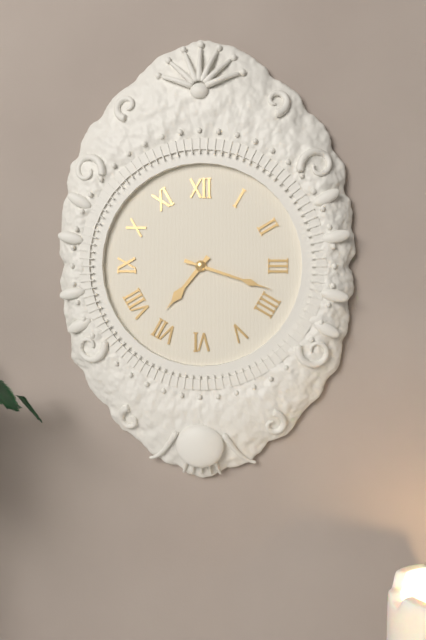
7:18
